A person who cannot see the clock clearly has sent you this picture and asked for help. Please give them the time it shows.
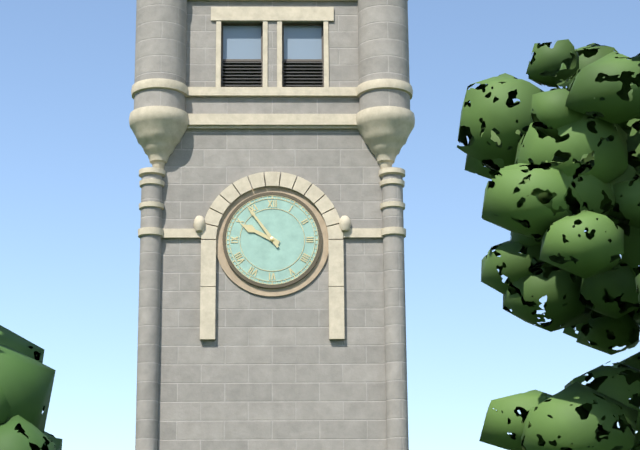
9:54
